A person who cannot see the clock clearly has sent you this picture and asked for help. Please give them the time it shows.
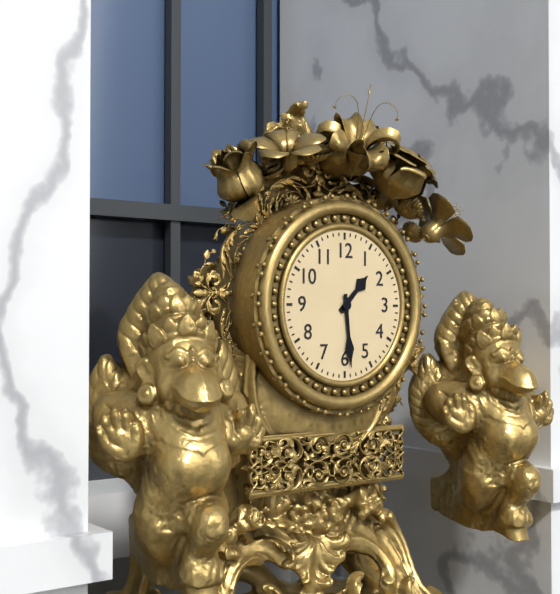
1:29
